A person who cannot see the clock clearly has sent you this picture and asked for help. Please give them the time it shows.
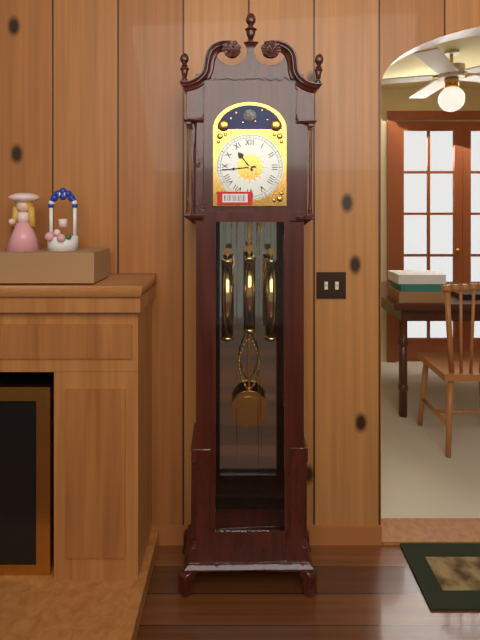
10:44
